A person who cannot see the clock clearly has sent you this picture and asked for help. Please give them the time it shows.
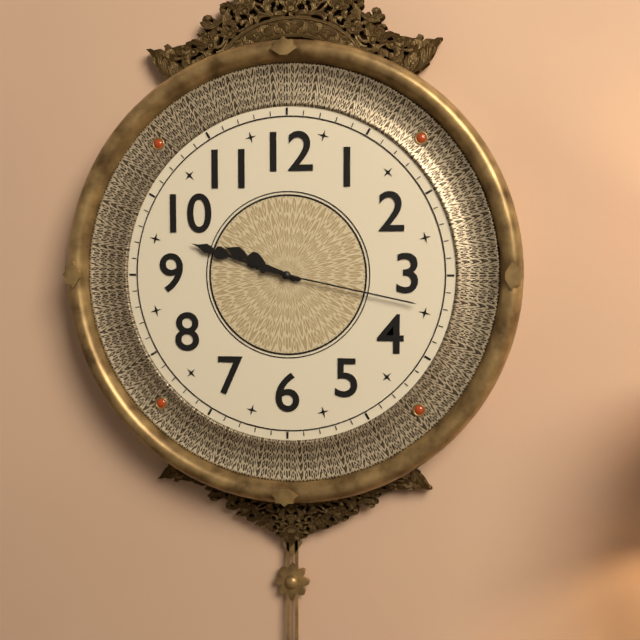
9:48:17
